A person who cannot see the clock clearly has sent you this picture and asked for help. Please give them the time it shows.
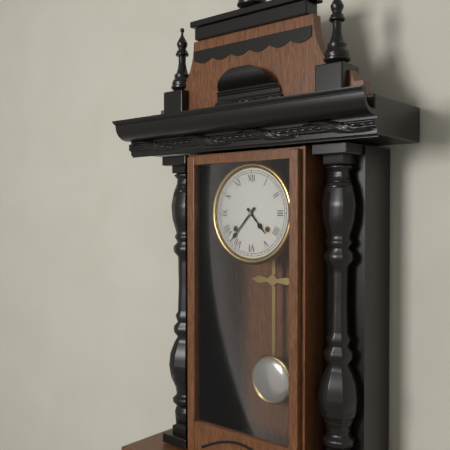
4:37
